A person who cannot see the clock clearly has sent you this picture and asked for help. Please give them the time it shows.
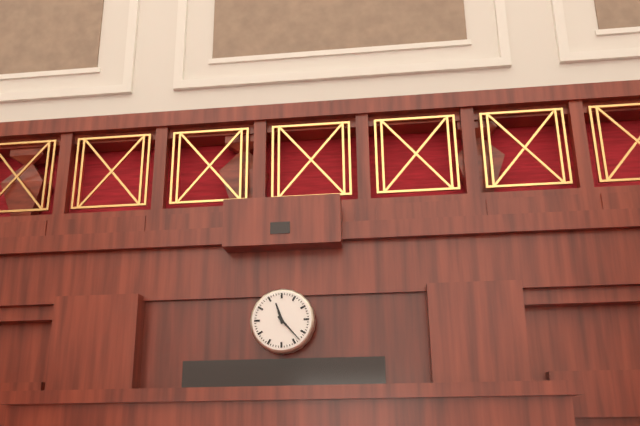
11:23
